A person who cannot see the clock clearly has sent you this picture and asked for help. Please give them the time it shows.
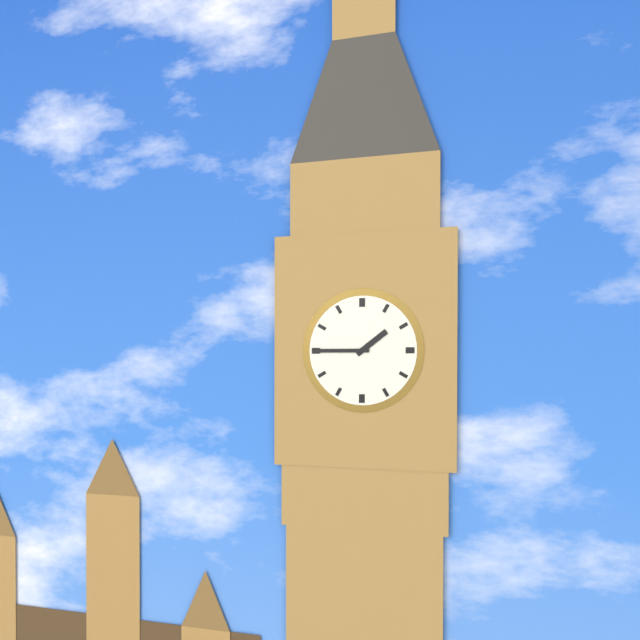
1:45
